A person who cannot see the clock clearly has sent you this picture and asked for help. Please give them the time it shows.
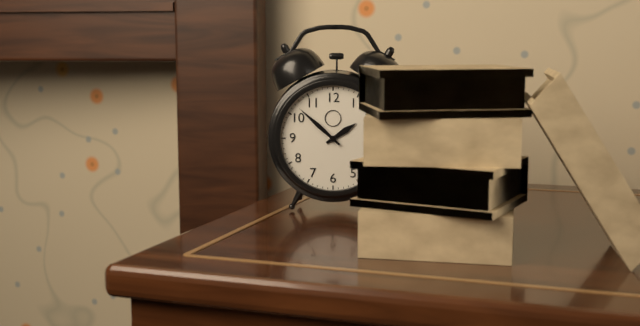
1:52
